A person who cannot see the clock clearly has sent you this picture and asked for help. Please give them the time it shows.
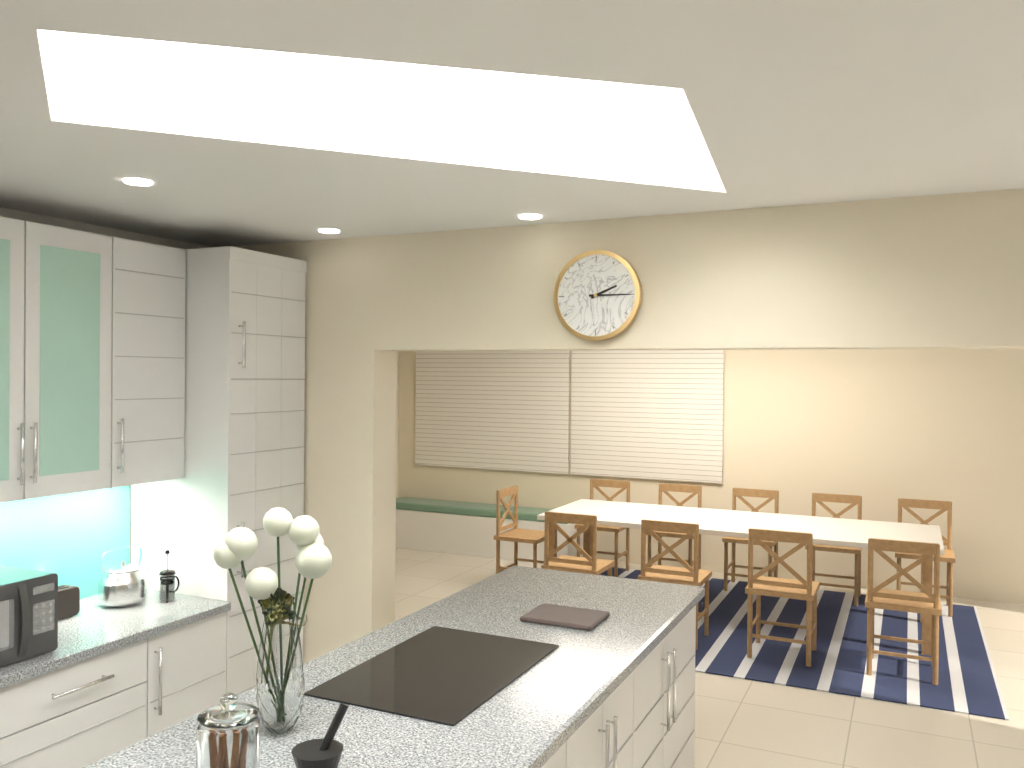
2:15
